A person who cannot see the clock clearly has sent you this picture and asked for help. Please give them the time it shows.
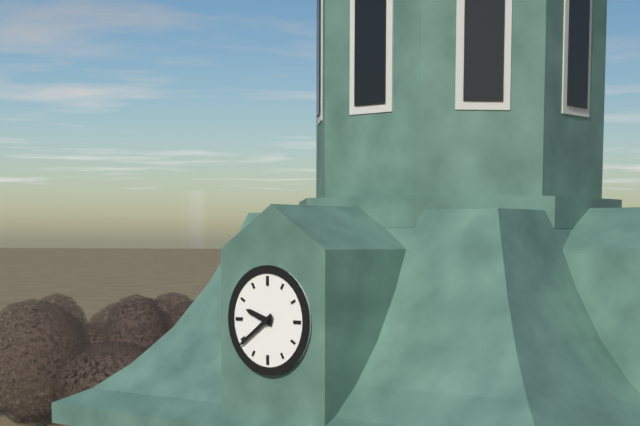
9:39
